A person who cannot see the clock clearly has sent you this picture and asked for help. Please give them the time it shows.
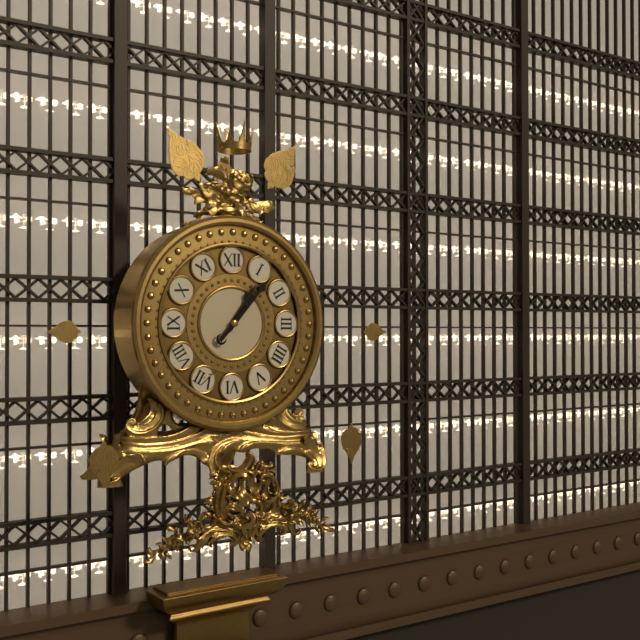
1:07
